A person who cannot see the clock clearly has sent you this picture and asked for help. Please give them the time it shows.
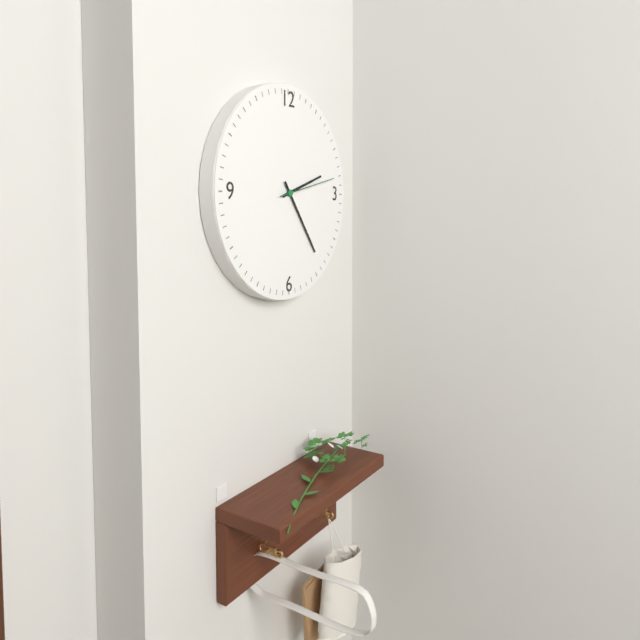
2:24:13
